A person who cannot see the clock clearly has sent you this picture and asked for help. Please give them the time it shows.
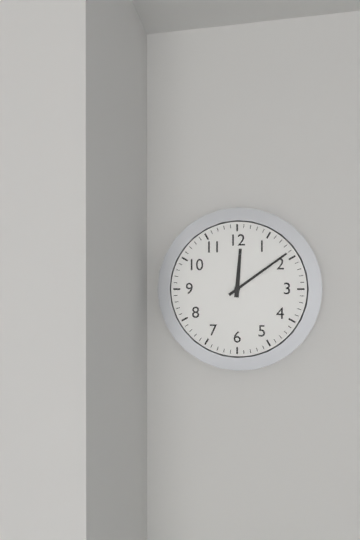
12:09
